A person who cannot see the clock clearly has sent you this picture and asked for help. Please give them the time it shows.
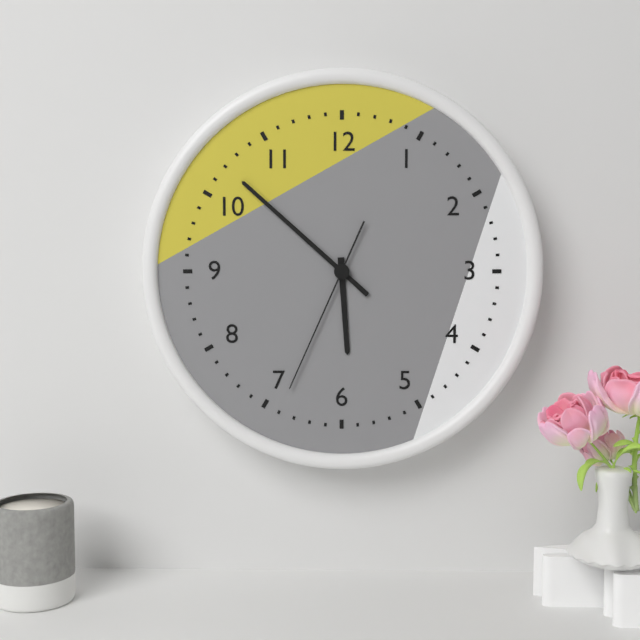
5:52:34
